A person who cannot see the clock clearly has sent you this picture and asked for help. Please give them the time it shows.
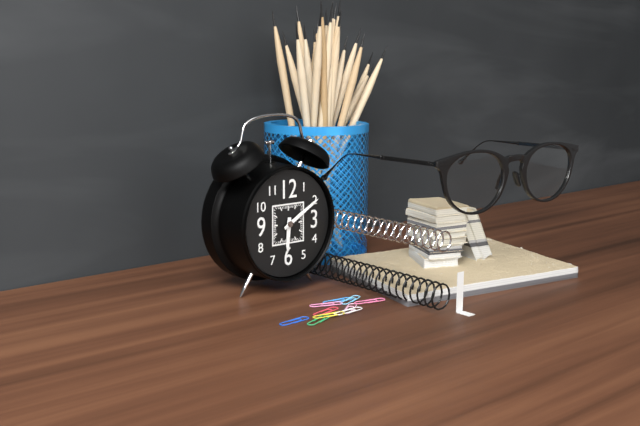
6:10
